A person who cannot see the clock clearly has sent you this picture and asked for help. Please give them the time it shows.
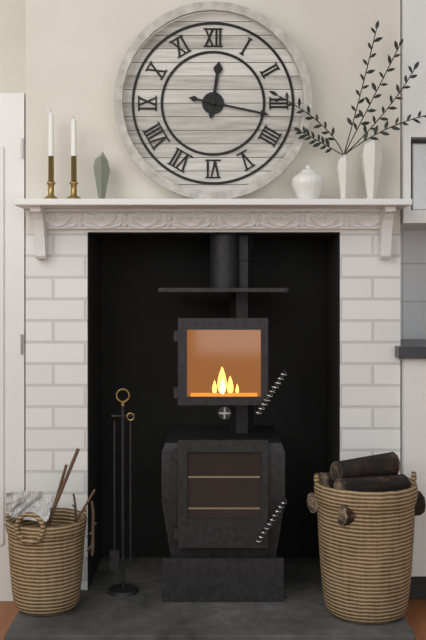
12:17
